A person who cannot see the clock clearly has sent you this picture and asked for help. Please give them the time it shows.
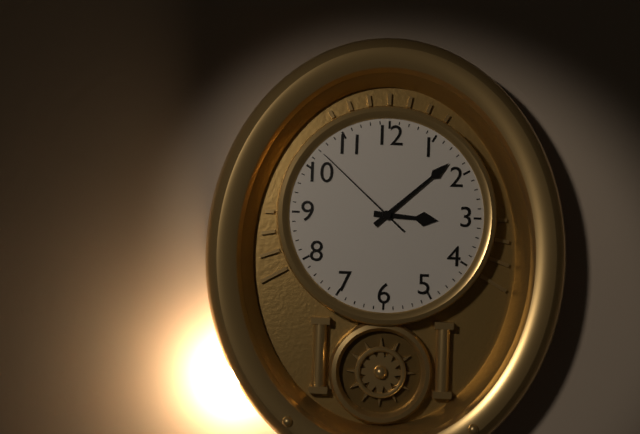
3:08:52
